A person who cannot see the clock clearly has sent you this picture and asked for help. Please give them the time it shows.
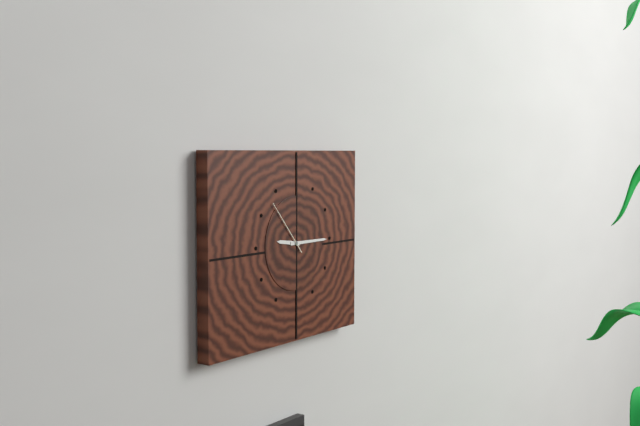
9:15:53
